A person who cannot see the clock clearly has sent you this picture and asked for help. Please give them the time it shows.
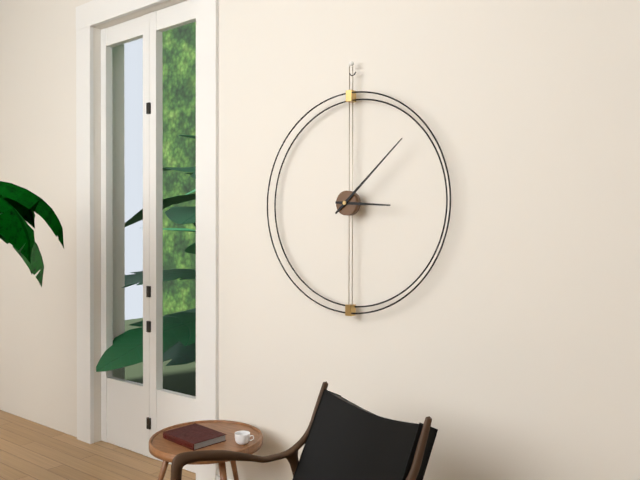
3:08
